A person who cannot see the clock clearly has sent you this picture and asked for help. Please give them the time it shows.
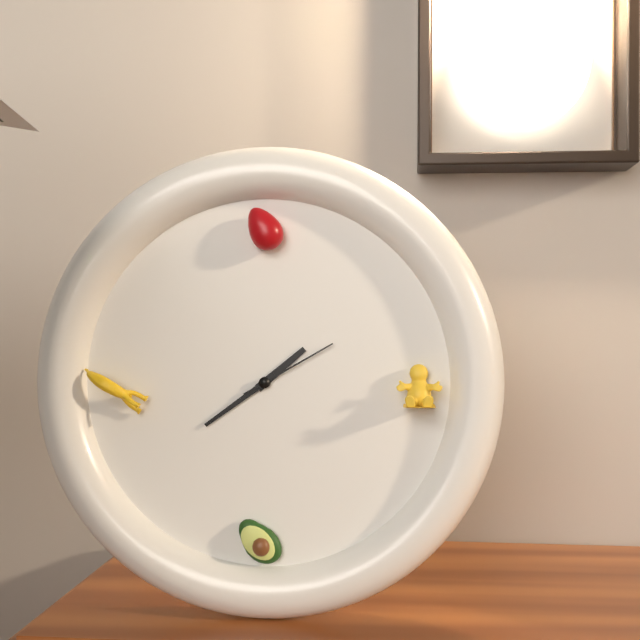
1:39:10
